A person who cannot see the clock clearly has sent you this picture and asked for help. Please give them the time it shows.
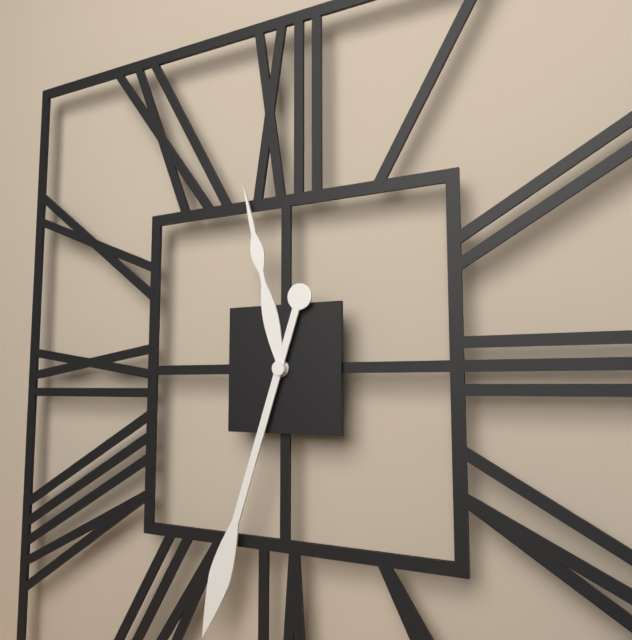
11:33
